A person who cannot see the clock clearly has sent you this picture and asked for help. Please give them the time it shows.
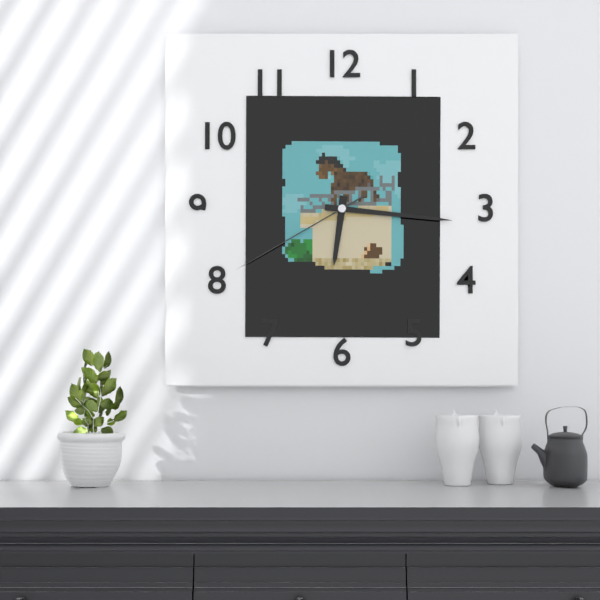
6:16:40
